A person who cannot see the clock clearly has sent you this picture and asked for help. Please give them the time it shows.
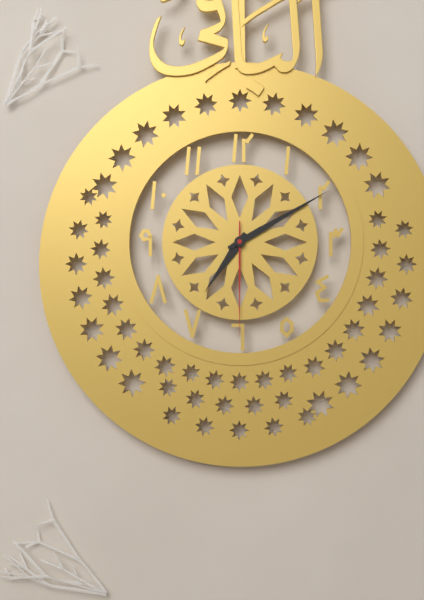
7:10:30
